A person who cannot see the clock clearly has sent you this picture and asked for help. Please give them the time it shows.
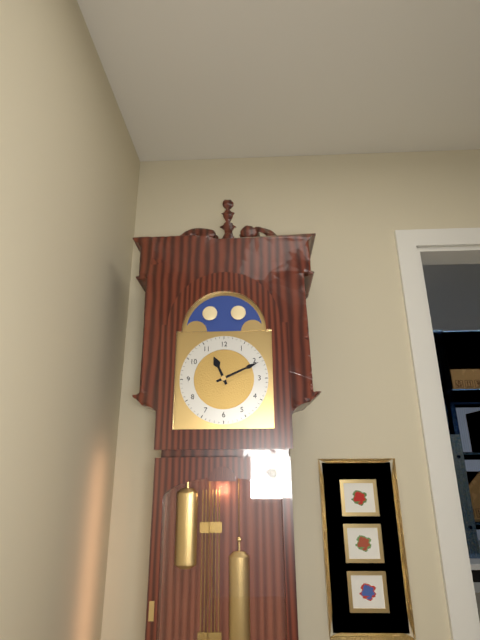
11:11
